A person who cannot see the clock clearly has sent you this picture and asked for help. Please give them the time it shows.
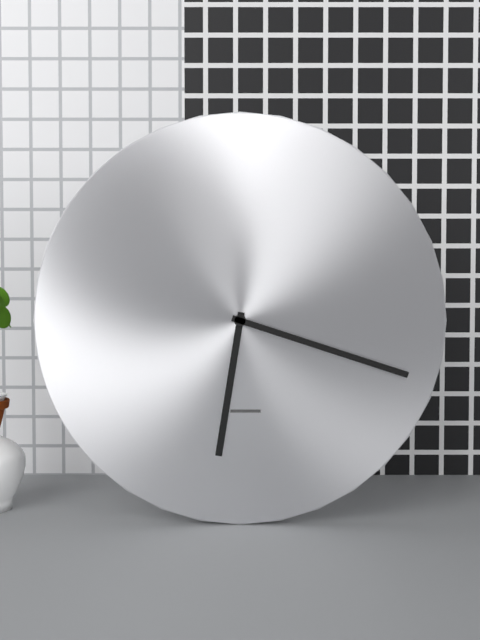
6:18
